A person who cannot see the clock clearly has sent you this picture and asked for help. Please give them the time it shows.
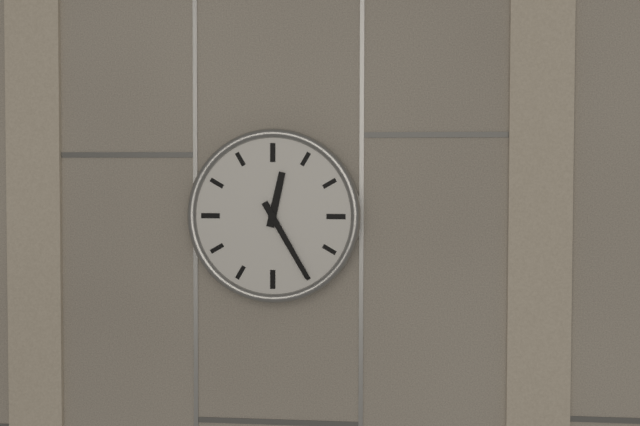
12:25
